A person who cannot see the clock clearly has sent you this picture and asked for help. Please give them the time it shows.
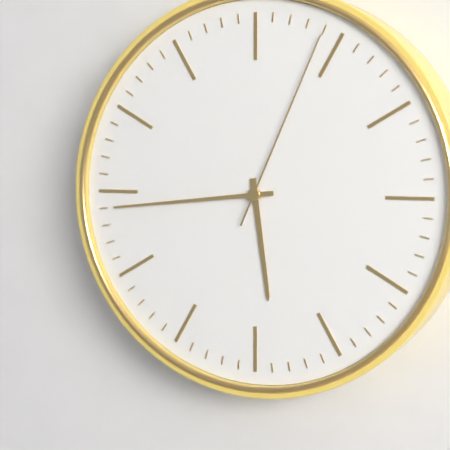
5:44:04
